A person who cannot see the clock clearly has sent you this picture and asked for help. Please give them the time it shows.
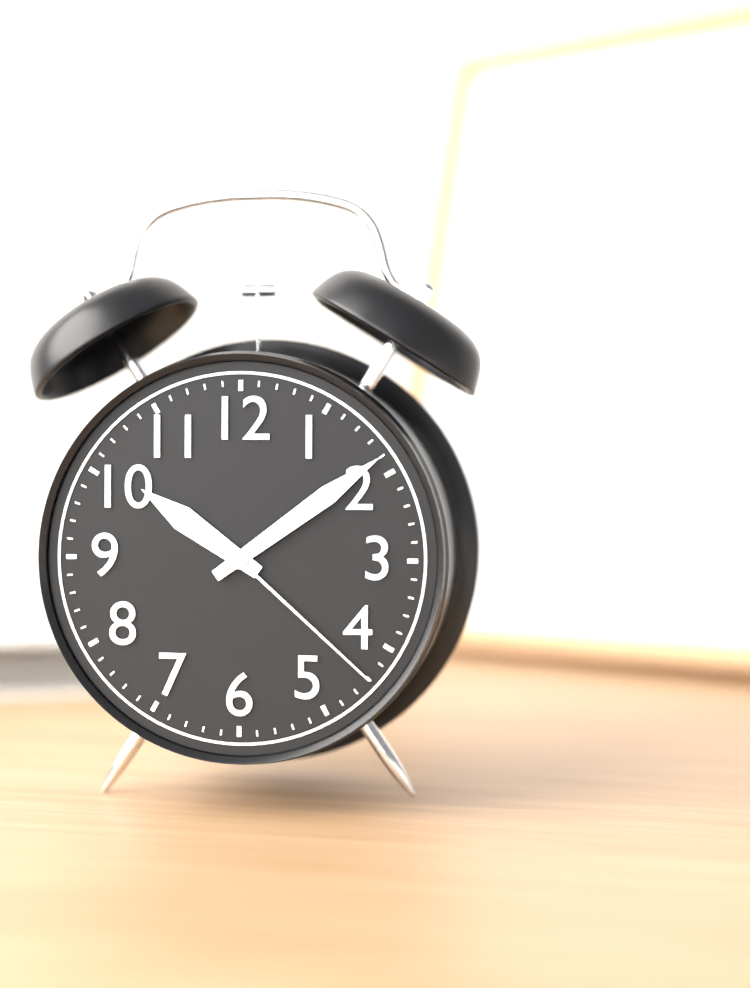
10:09:22
